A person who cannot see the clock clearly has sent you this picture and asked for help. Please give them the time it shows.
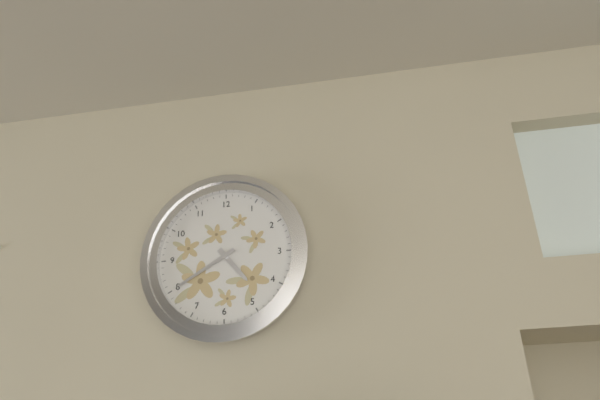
4:40
